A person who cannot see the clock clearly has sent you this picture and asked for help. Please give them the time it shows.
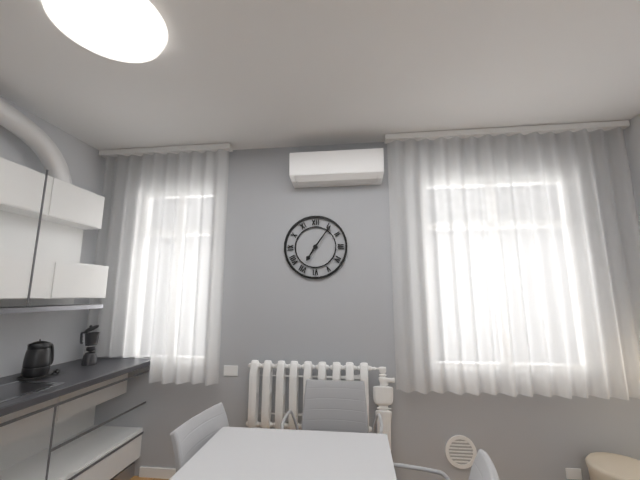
7:06
